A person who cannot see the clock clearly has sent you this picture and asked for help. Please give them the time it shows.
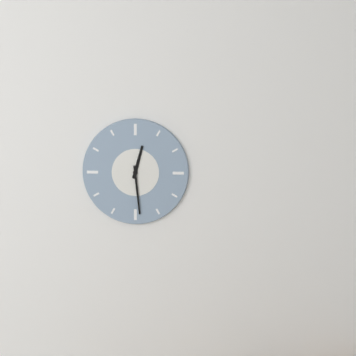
12:29
